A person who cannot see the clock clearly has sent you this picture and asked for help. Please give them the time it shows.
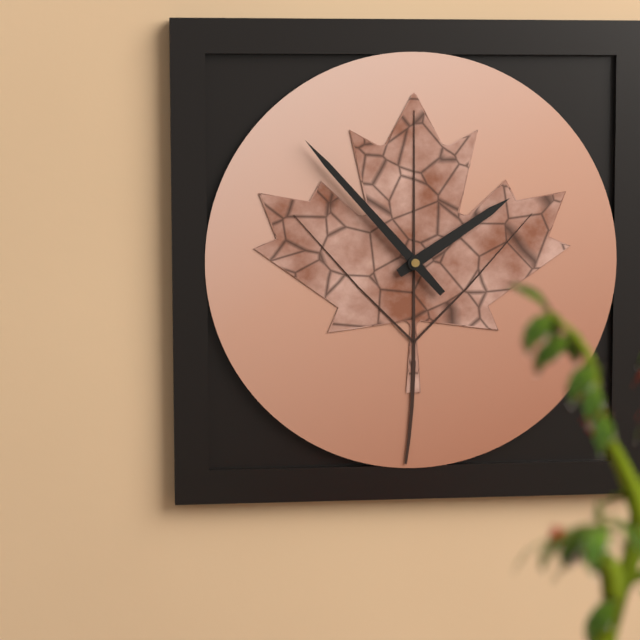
1:53
